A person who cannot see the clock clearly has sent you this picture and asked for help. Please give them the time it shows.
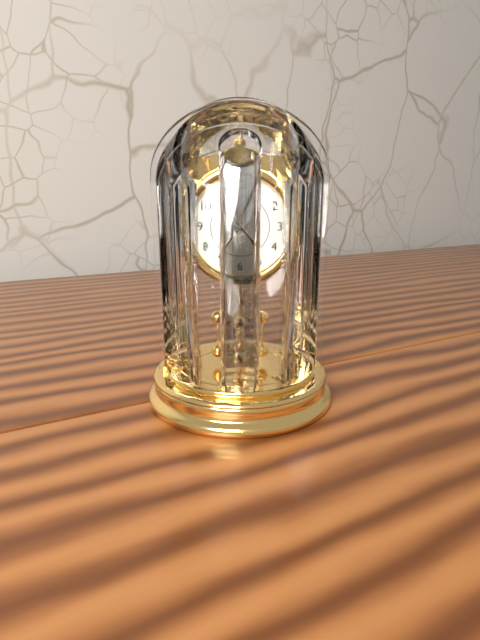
4:36
